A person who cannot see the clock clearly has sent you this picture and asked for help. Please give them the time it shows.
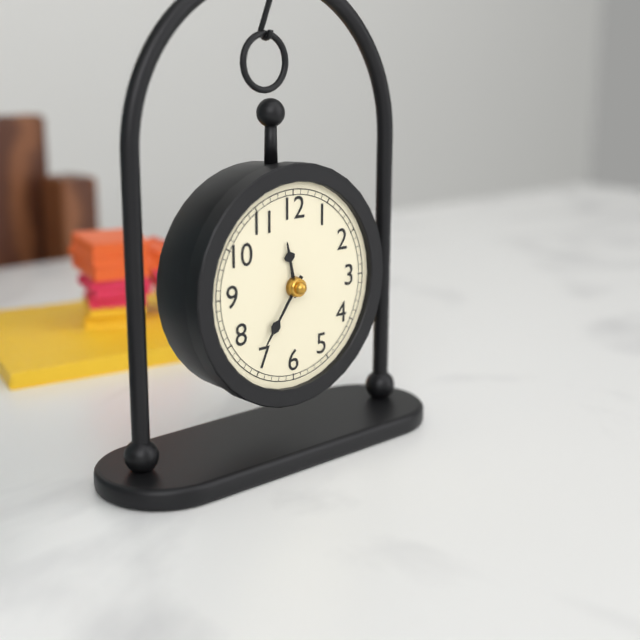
11:36
